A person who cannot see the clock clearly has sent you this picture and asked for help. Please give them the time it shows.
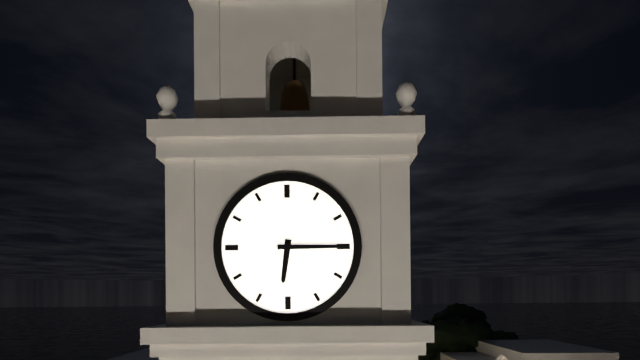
6:15
